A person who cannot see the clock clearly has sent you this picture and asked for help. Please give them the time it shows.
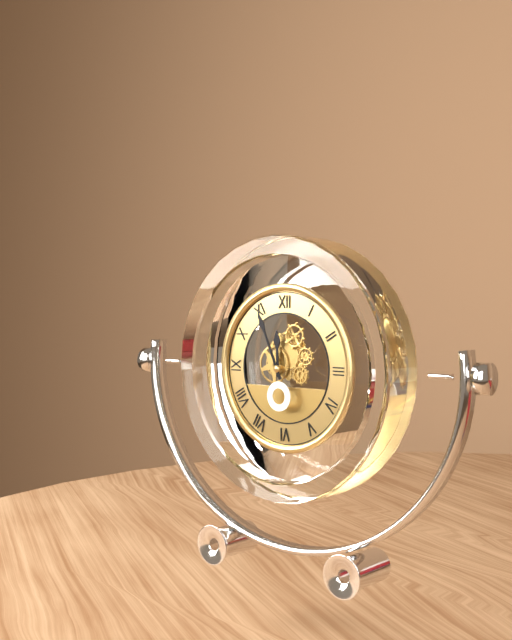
11:56
